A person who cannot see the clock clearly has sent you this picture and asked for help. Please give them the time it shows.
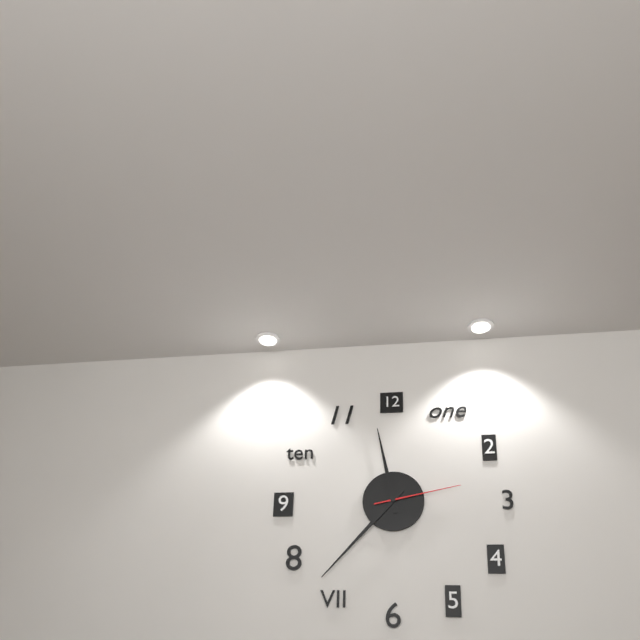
11:37:13
